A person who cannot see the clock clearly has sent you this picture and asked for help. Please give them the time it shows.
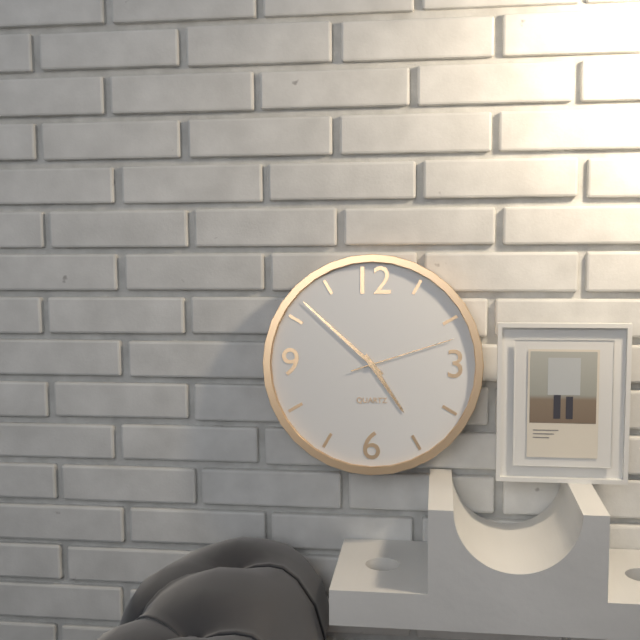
4:52:12
